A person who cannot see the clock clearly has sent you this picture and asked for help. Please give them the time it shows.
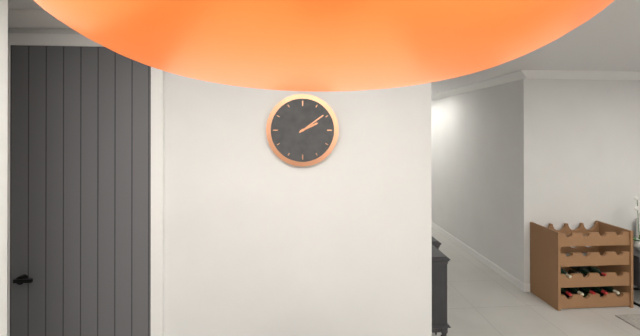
2:09
